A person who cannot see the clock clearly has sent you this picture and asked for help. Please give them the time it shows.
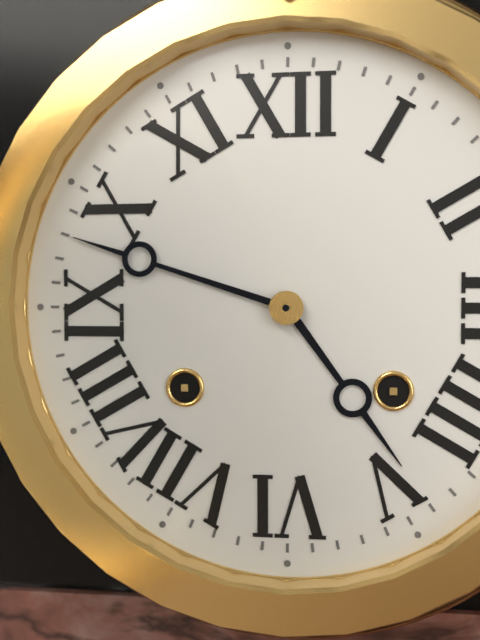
4:48
